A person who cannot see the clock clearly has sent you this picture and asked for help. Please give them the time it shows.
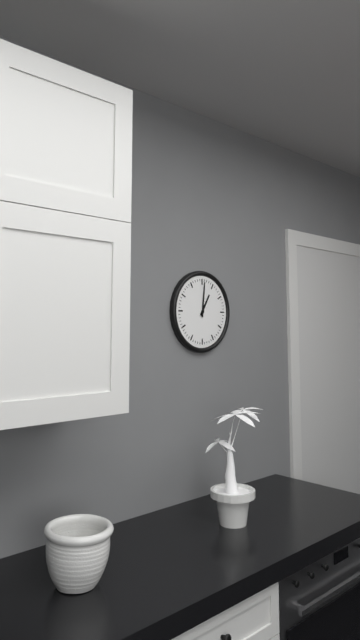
1:01
